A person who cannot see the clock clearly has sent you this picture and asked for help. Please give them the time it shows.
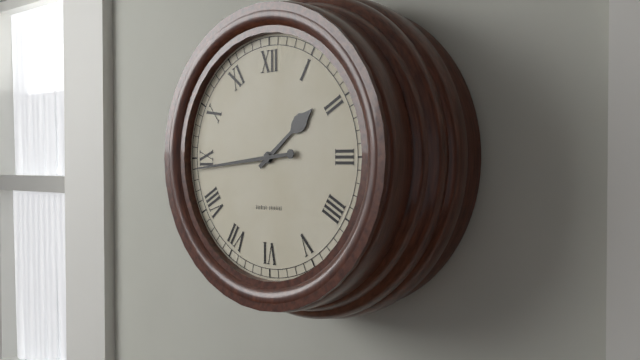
1:44
